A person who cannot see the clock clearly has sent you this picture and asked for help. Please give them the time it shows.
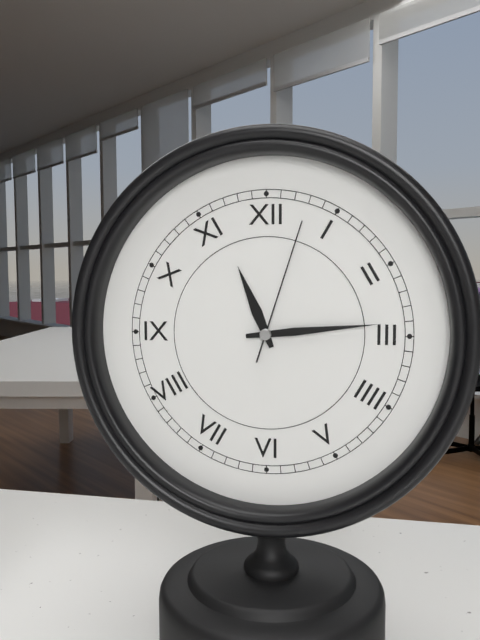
11:14:03
